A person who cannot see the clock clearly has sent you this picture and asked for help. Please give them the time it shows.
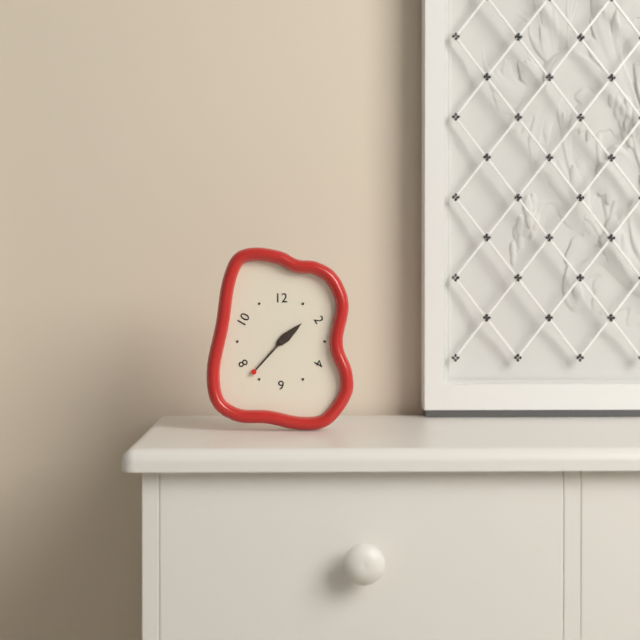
1:37
